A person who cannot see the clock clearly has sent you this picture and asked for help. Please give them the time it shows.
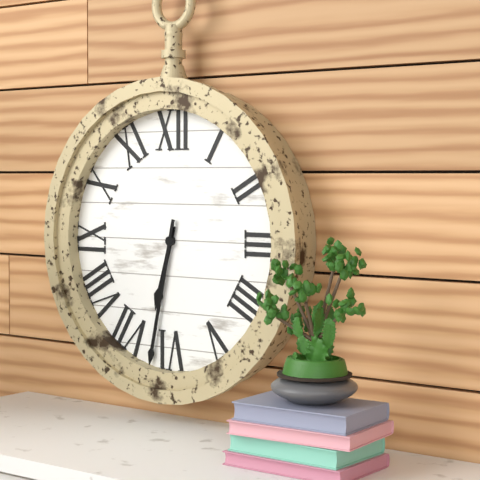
6:32
